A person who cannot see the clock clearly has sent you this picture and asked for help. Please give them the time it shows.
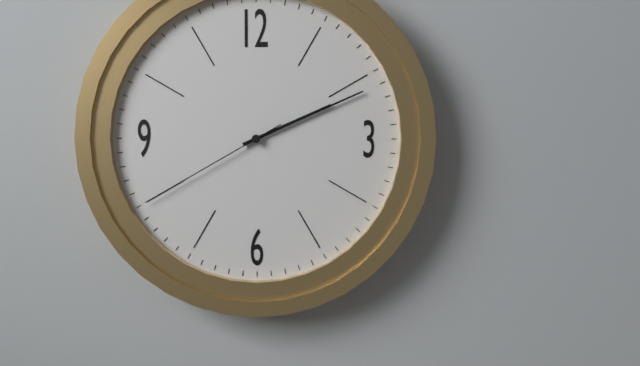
2:11:40
